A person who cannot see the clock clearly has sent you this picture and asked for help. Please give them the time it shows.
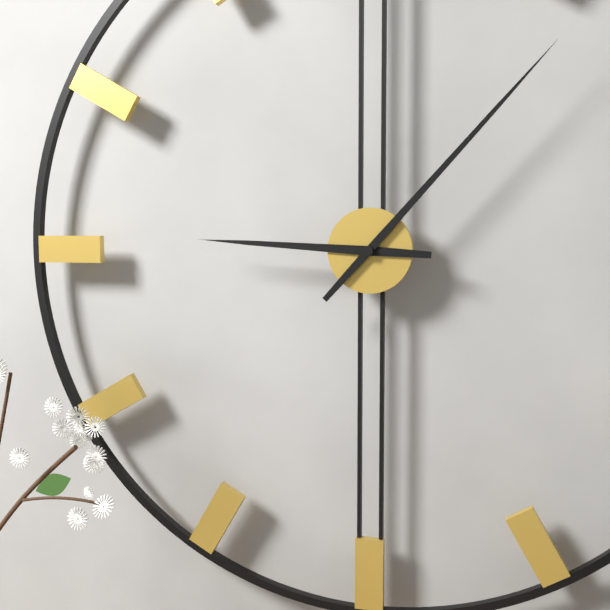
9:07
